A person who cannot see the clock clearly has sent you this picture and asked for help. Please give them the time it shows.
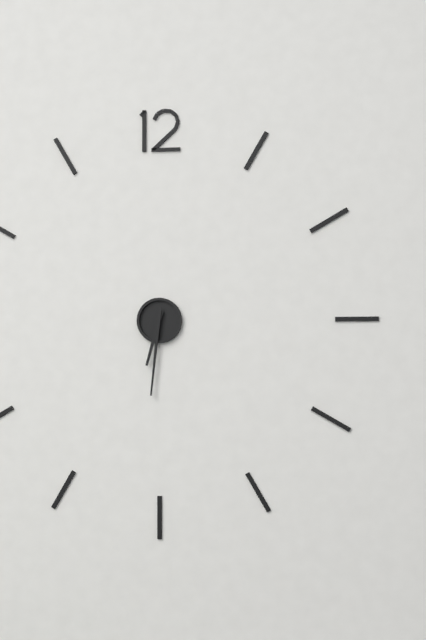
6:31
